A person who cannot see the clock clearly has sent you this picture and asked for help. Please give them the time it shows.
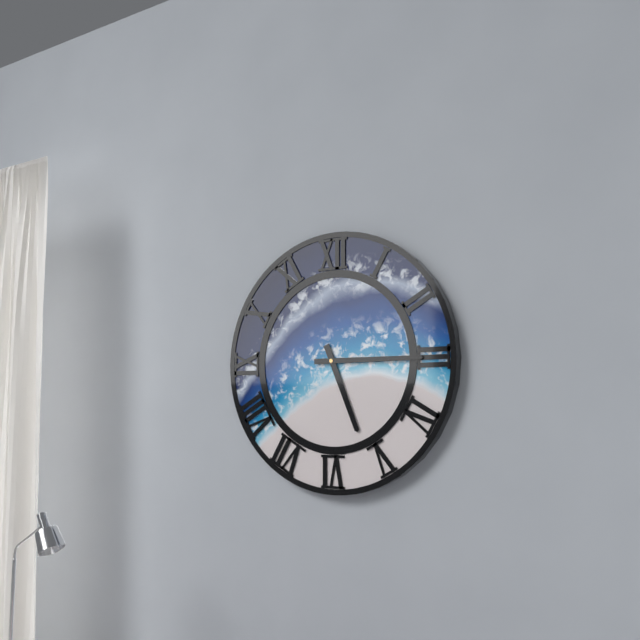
5:15
